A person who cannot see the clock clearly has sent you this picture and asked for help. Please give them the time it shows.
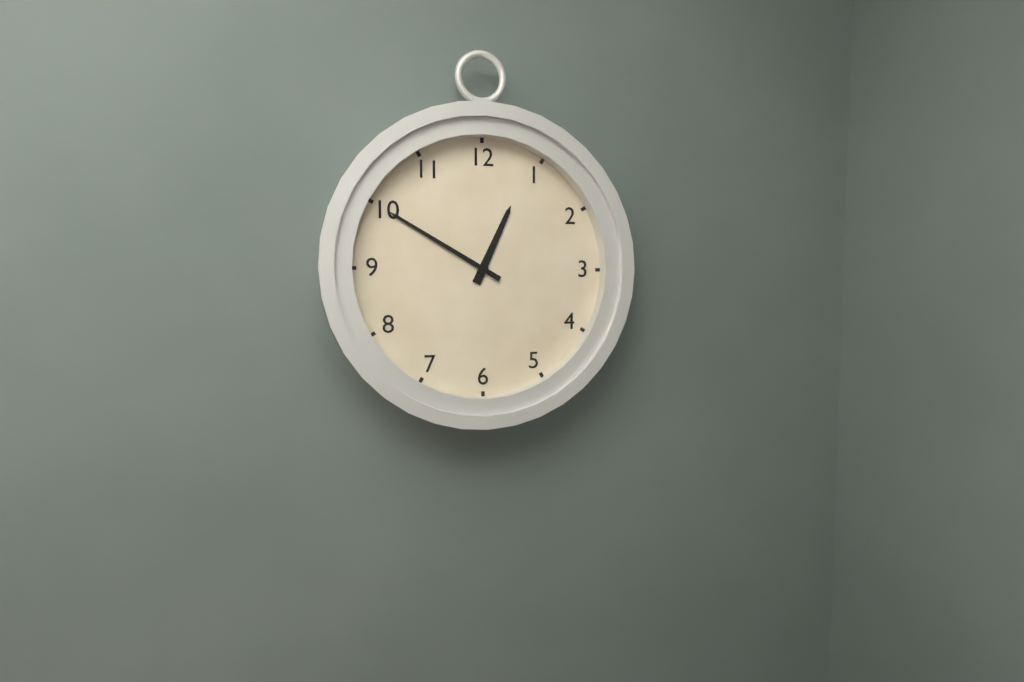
12:50
